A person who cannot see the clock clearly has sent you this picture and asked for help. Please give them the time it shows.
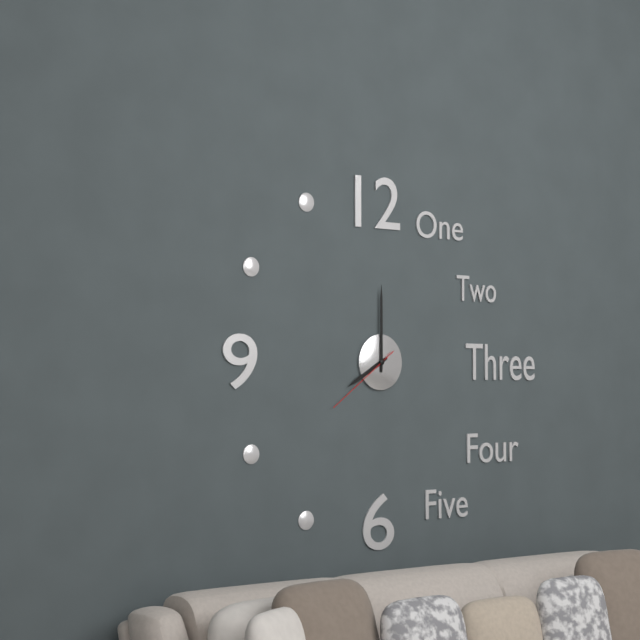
8:00:39
